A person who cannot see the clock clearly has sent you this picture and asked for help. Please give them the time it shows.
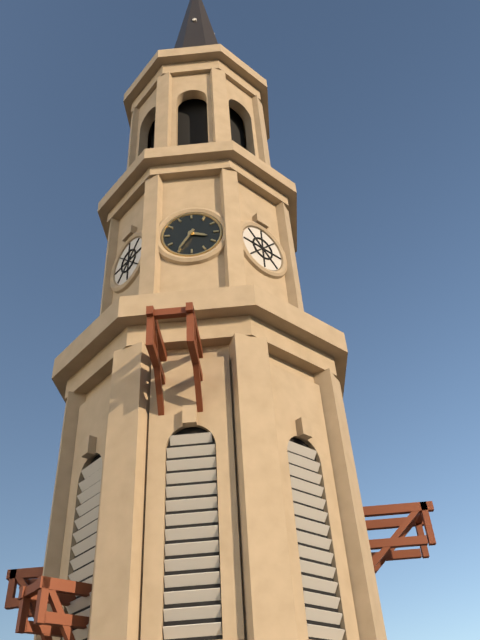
3:35
